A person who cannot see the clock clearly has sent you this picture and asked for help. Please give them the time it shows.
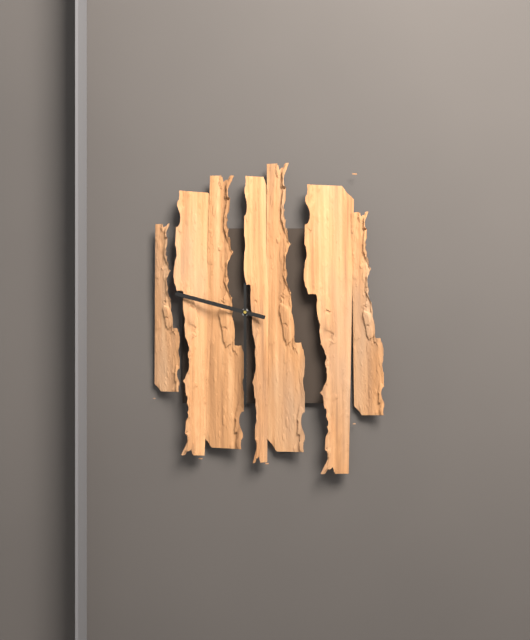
9:30
